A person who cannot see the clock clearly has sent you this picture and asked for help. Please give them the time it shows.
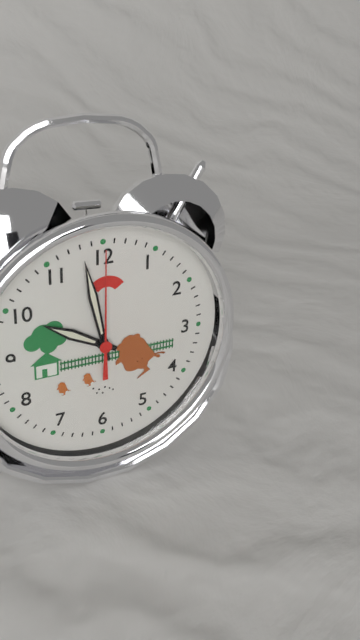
9:58:00
